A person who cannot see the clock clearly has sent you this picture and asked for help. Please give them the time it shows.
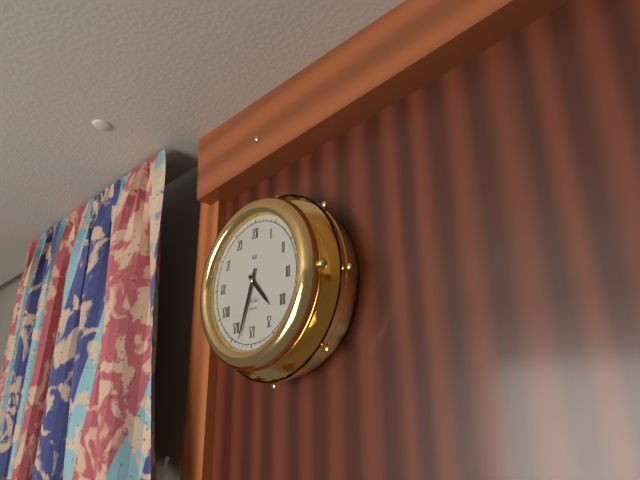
4:33
